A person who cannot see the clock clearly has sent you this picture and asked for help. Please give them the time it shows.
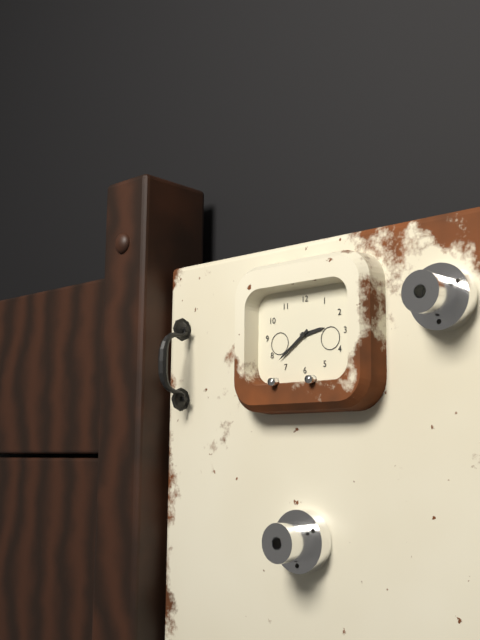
2:39
